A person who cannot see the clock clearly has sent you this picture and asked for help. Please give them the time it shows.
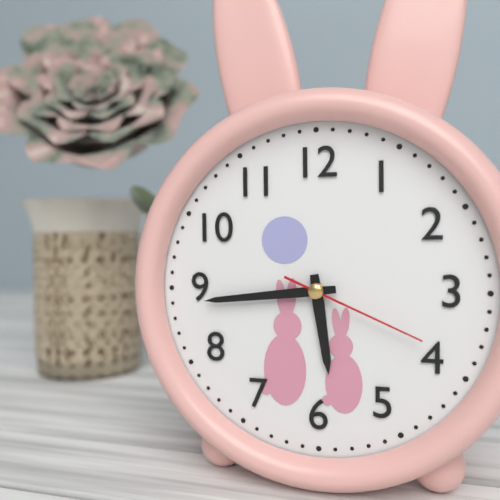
5:44:19
